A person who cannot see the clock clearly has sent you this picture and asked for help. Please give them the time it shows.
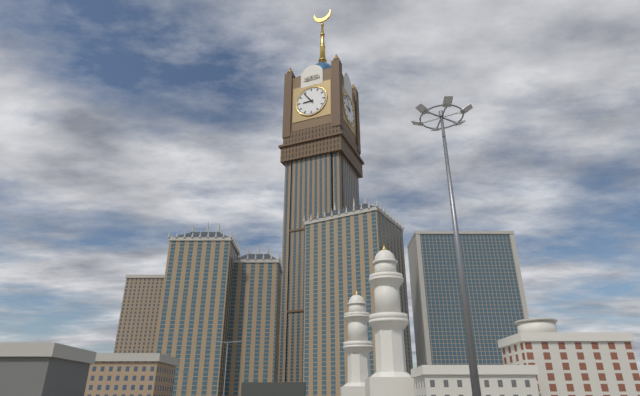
8:54
